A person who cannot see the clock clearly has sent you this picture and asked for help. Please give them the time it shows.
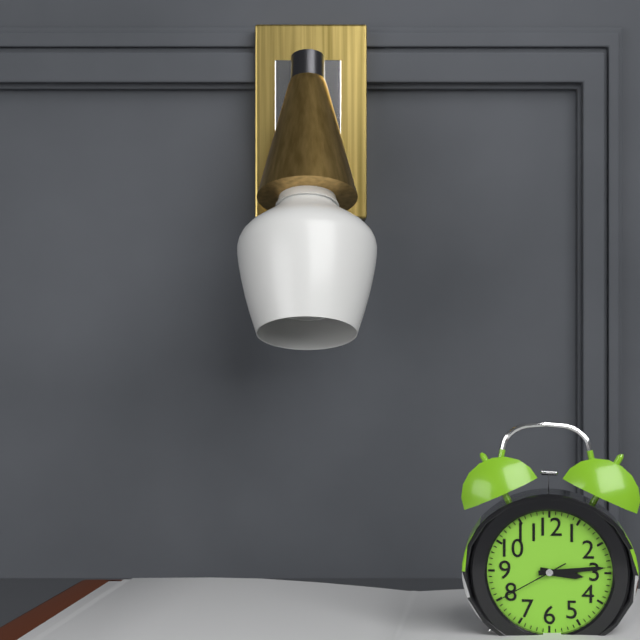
3:14:40
